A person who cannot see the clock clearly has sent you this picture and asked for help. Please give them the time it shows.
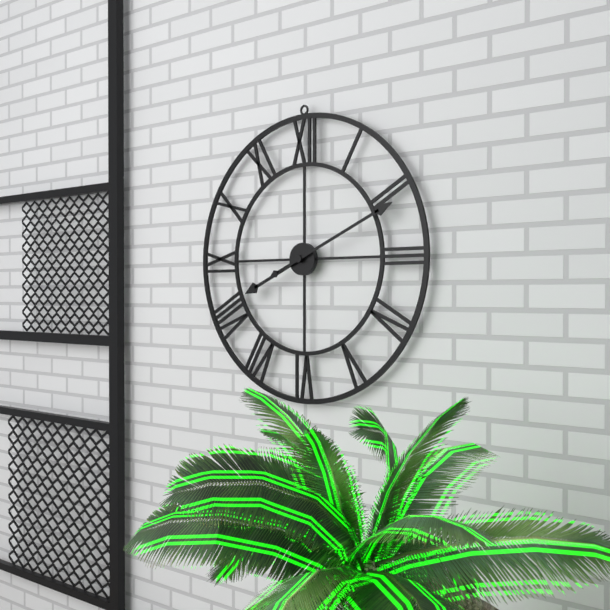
8:11
